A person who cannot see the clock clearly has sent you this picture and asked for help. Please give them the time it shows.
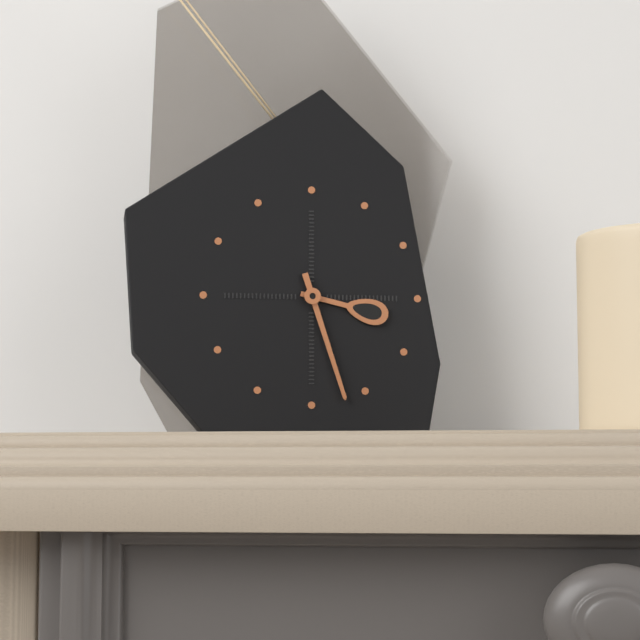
3:27
